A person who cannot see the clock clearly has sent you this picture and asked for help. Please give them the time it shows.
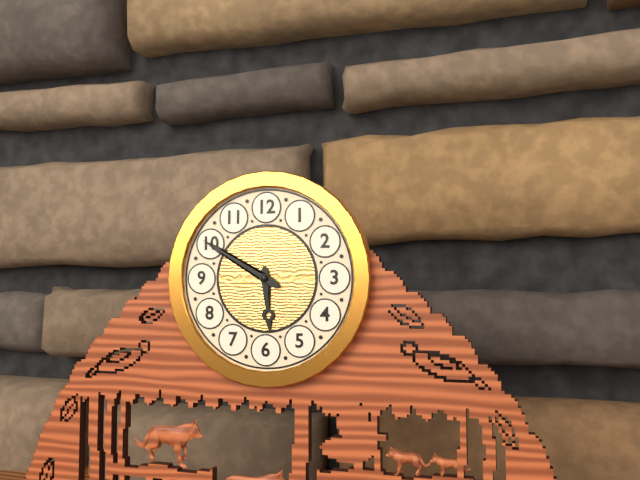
5:50
